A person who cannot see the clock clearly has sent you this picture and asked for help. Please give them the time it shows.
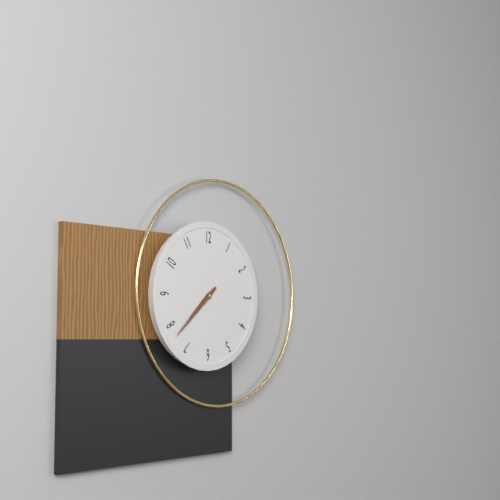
7:38
